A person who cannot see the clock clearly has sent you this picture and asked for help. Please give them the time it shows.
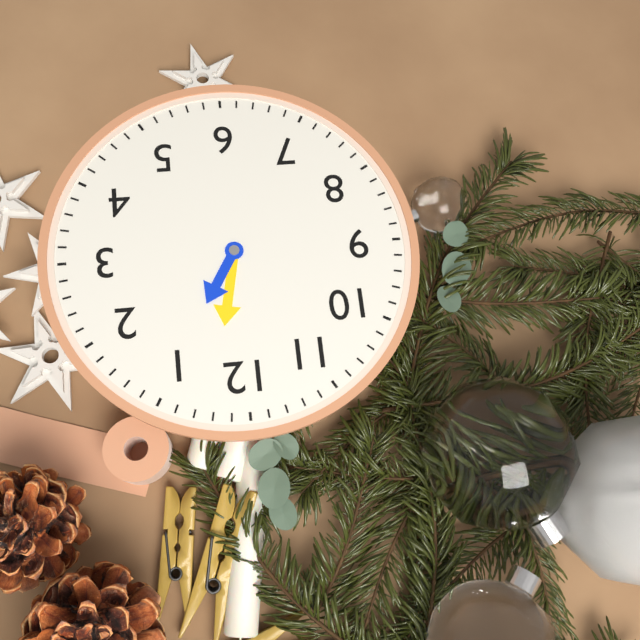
1:02
